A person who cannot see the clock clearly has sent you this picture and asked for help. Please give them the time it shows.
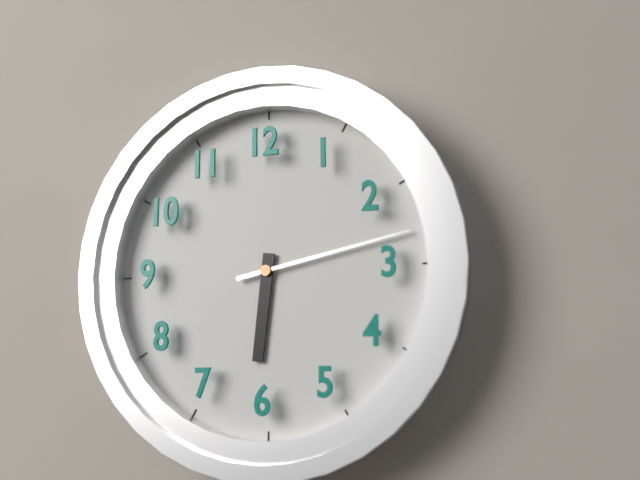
6:13
